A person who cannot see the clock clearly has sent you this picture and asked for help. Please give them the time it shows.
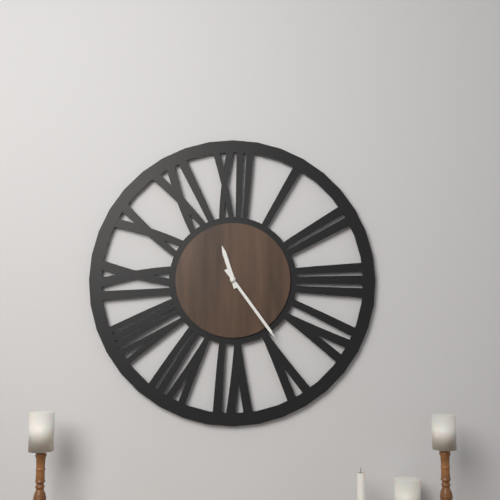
11:24
